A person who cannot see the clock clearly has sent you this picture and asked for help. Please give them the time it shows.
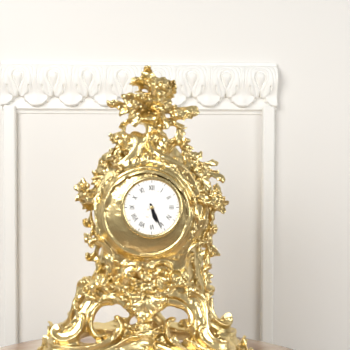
5:26
